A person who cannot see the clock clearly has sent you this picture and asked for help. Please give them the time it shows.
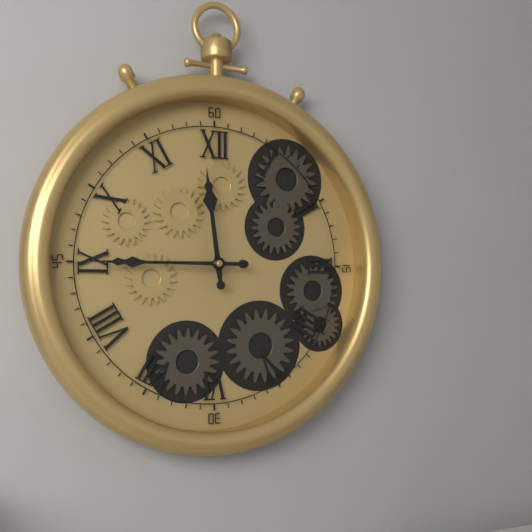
11:45
